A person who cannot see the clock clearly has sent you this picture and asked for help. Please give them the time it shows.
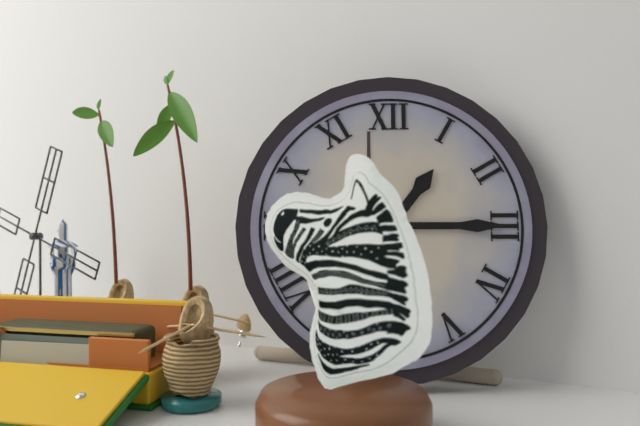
1:15
